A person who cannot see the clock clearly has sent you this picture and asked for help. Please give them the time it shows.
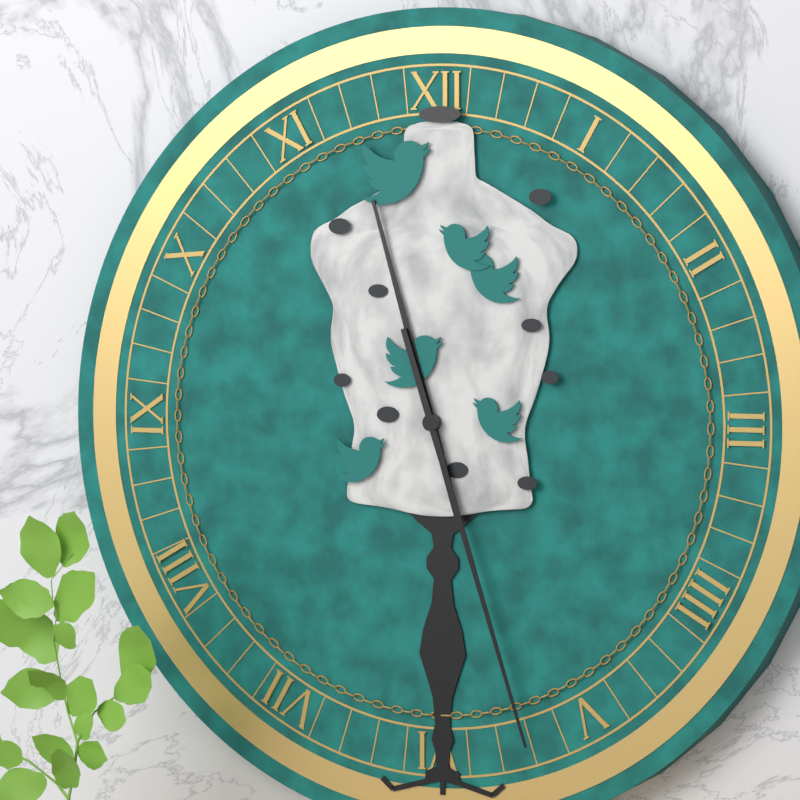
11:27
